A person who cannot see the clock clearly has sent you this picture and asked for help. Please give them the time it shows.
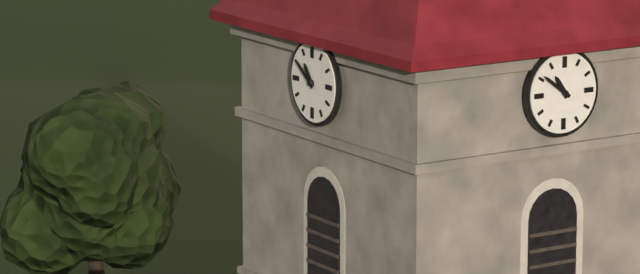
10:51
